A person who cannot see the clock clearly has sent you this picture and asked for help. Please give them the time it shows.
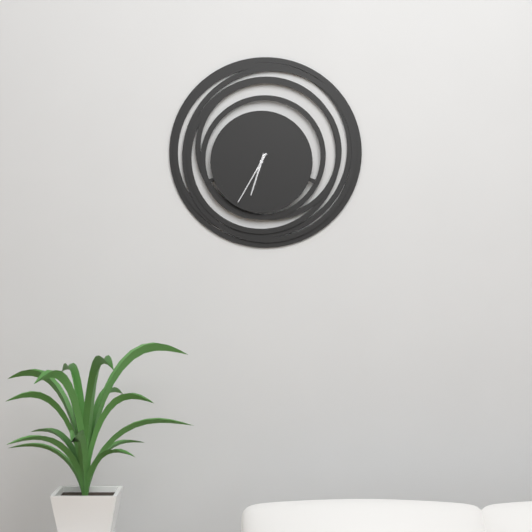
6:35
